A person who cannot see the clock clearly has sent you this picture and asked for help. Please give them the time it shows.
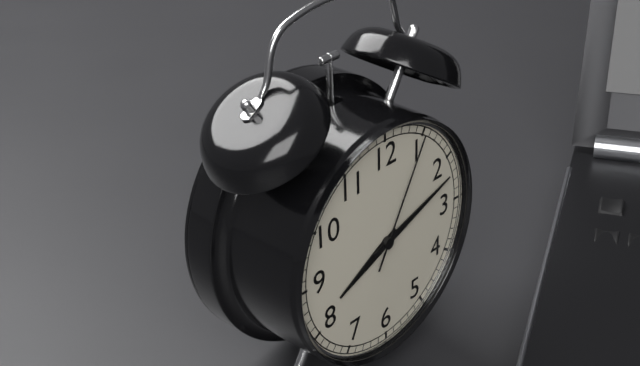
8:12:05
